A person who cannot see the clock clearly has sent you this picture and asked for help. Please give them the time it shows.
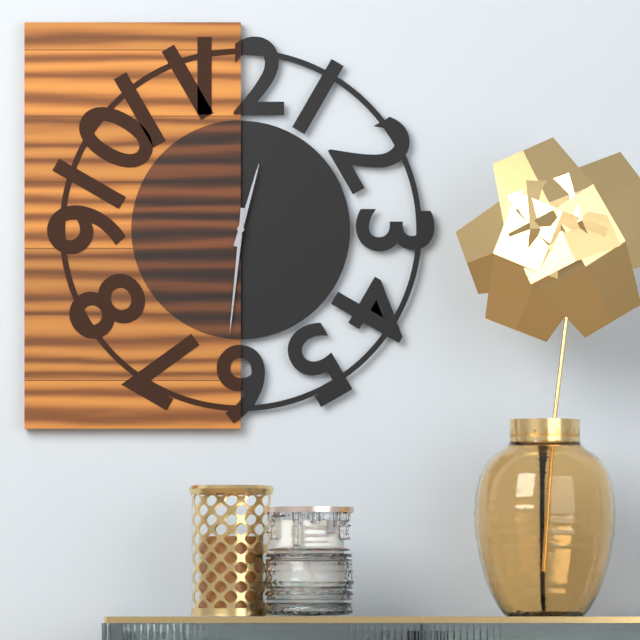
12:31
